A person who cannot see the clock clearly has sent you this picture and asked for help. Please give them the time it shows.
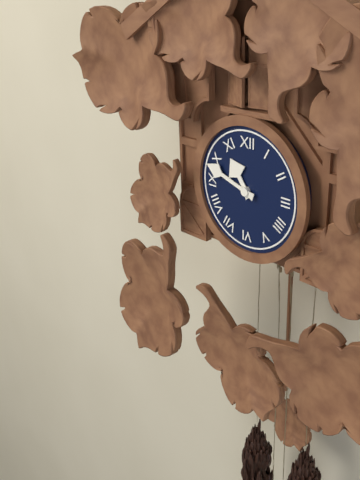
10:48
